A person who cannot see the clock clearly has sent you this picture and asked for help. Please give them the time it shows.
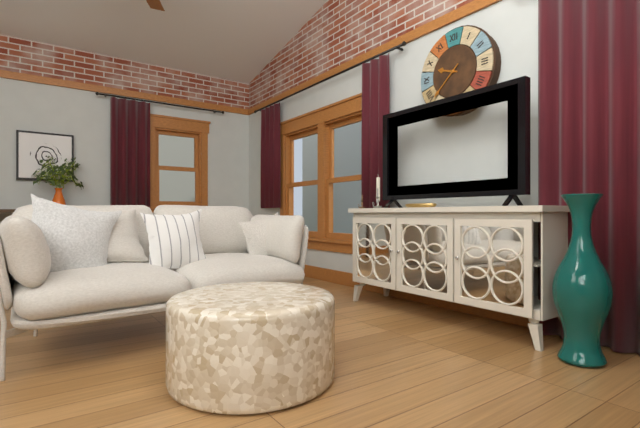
9:38
